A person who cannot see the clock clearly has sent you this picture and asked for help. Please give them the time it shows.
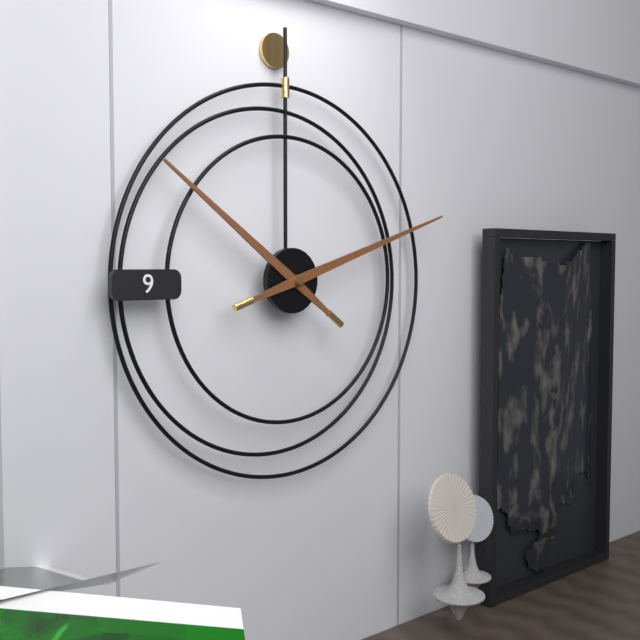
10:12
